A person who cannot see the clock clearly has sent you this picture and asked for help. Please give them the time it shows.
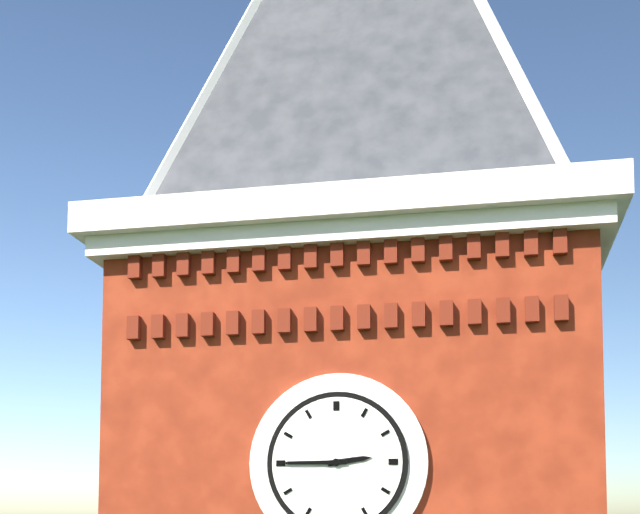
2:45
